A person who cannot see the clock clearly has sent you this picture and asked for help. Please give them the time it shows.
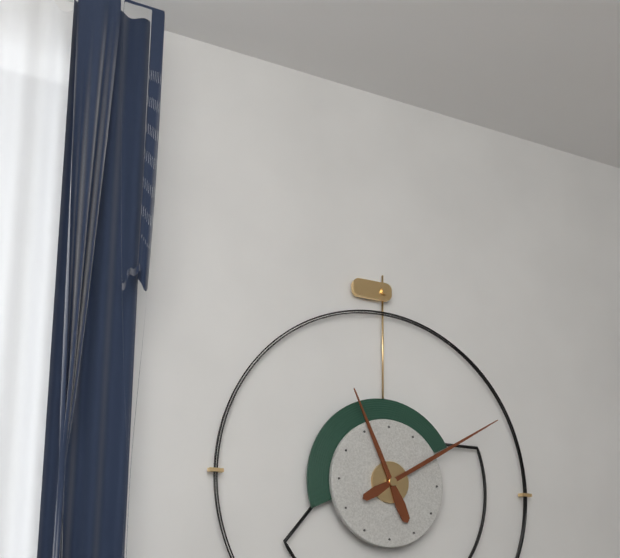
11:10
